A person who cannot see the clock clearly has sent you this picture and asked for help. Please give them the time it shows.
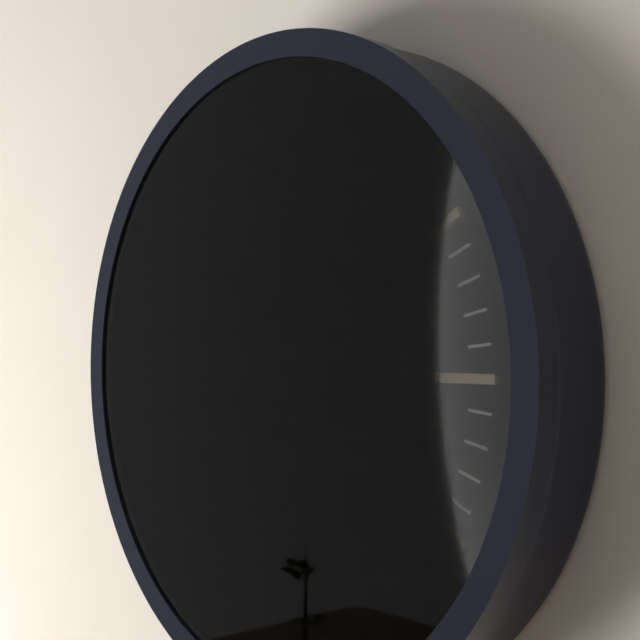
2:53
